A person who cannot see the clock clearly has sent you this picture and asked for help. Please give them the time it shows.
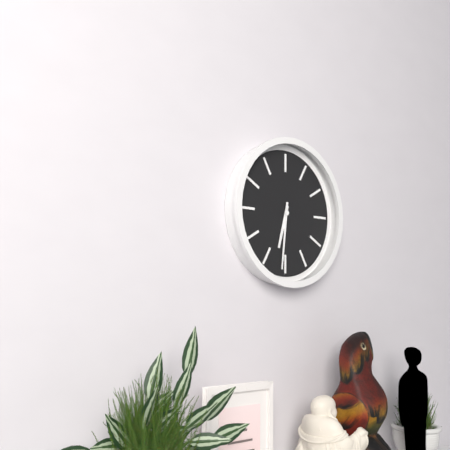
6:31
